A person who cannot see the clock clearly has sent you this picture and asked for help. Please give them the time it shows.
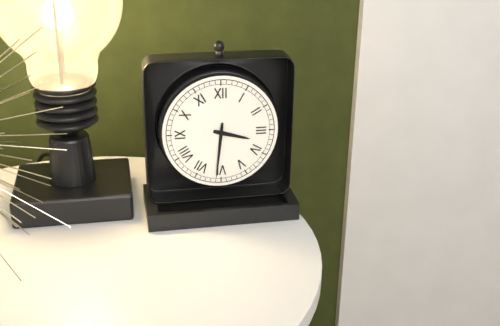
3:31
